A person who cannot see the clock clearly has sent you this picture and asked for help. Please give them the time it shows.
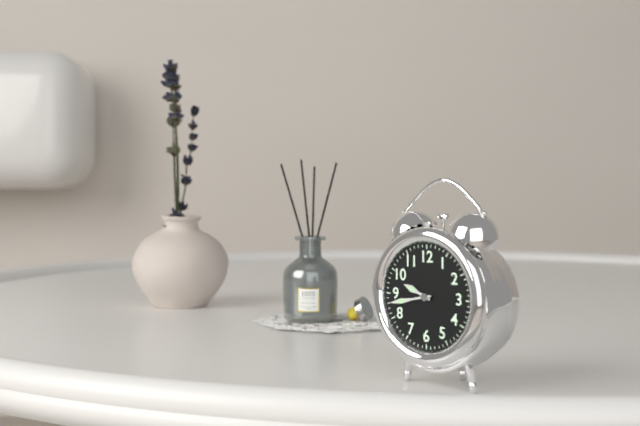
9:43
